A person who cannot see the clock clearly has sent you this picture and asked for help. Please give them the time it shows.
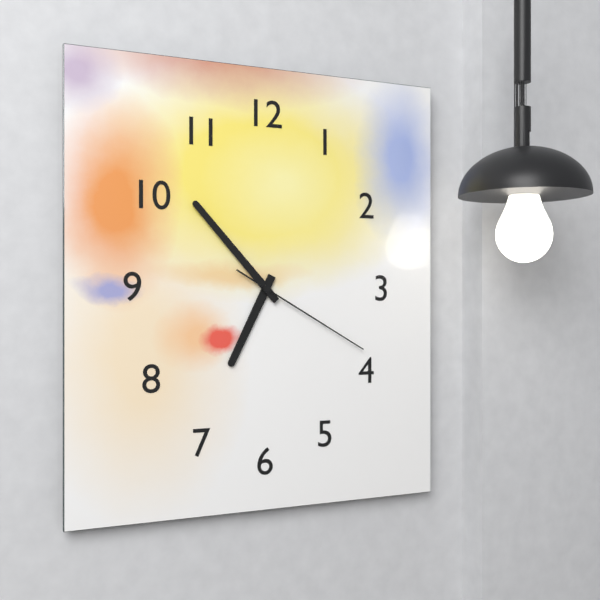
6:53:20
